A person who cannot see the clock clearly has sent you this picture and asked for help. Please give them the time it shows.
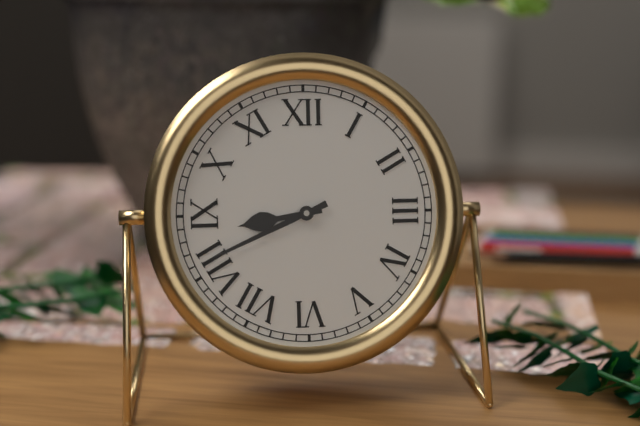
8:41
